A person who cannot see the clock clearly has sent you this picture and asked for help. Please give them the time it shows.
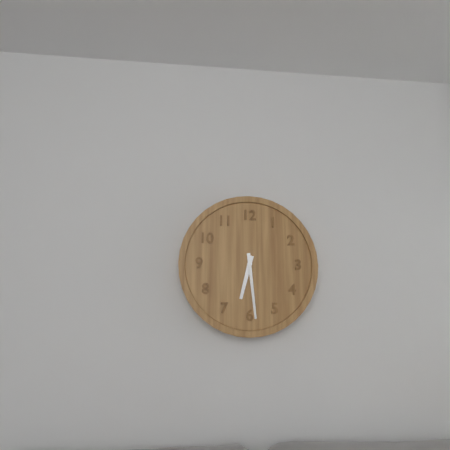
6:29
